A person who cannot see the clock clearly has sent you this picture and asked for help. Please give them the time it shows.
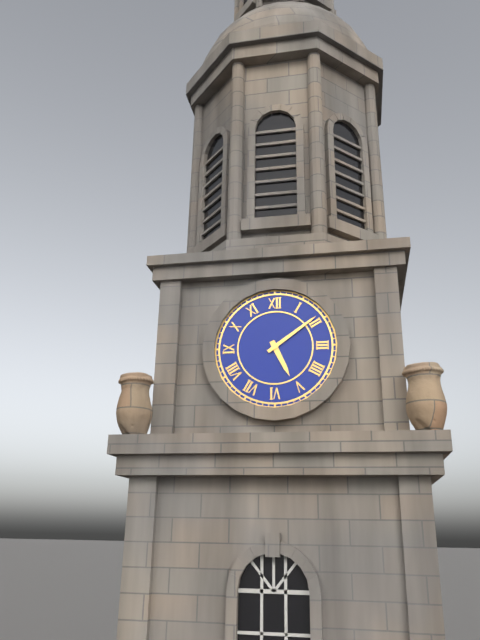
5:09
